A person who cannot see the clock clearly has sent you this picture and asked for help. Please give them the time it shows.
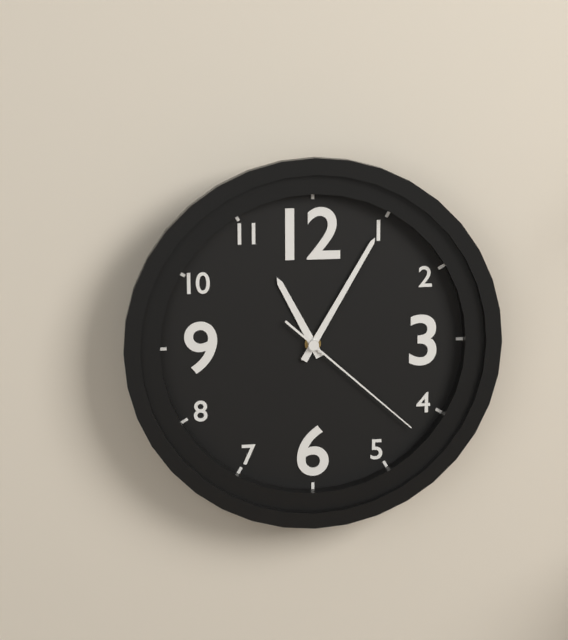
11:05:22
